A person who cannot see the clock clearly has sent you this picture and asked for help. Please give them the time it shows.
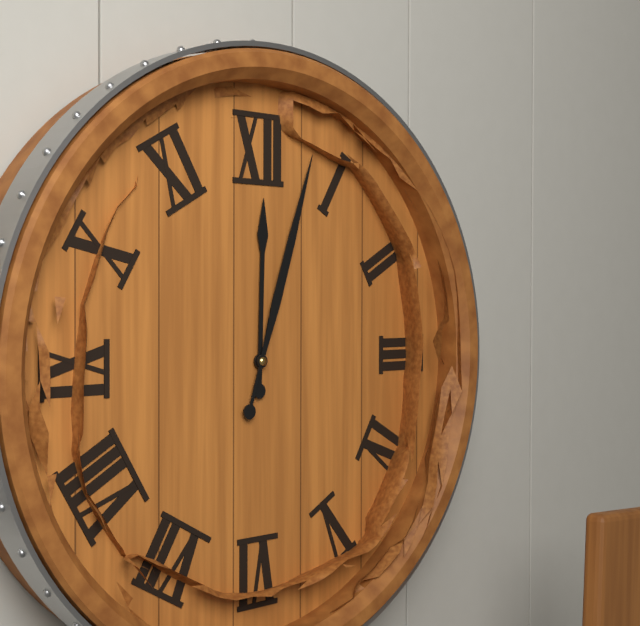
12:03
